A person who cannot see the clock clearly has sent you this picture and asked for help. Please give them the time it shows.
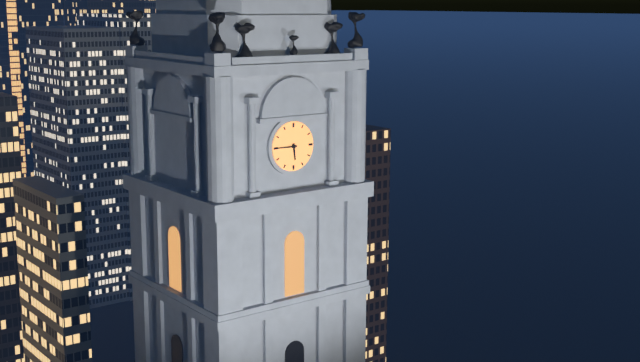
5:45
